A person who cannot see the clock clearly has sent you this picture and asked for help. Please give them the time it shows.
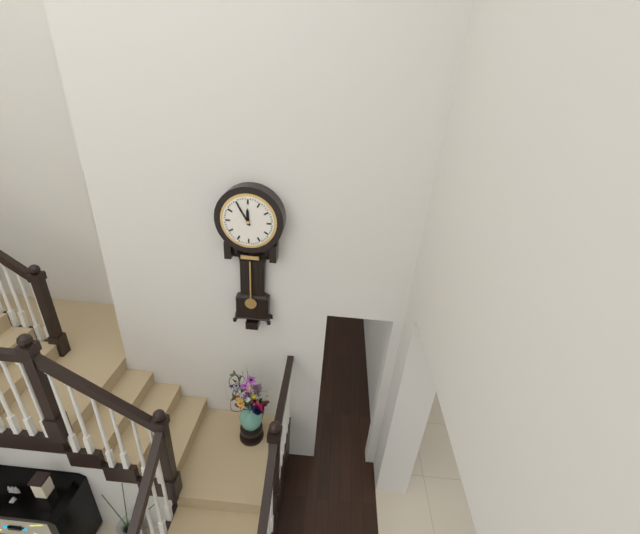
11:55
